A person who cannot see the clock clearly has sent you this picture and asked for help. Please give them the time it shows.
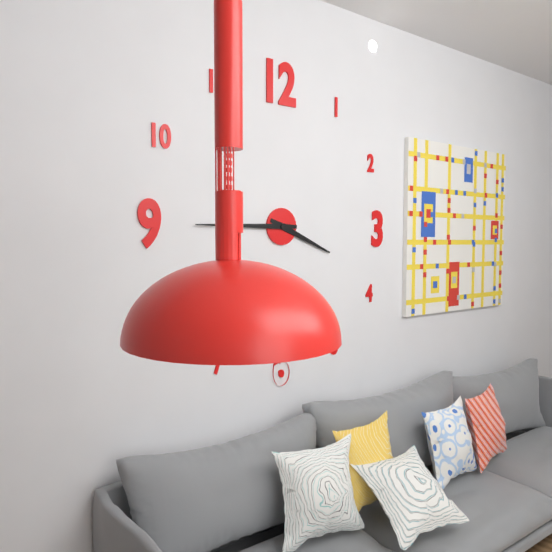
3:45
